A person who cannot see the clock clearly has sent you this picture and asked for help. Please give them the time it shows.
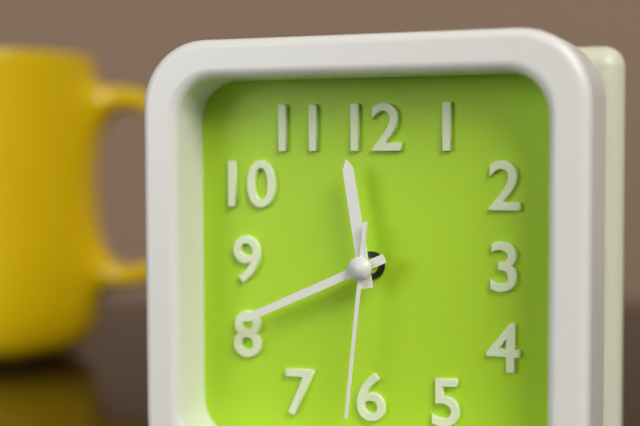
11:41:31
